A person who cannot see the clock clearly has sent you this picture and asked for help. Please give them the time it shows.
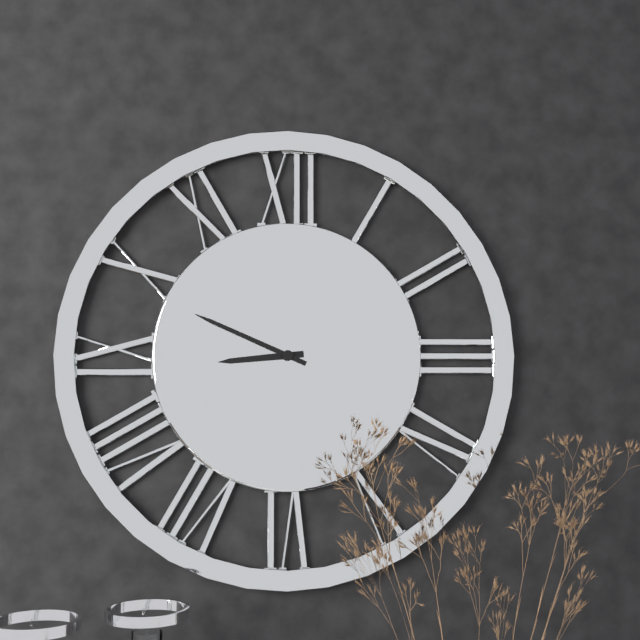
8:49
